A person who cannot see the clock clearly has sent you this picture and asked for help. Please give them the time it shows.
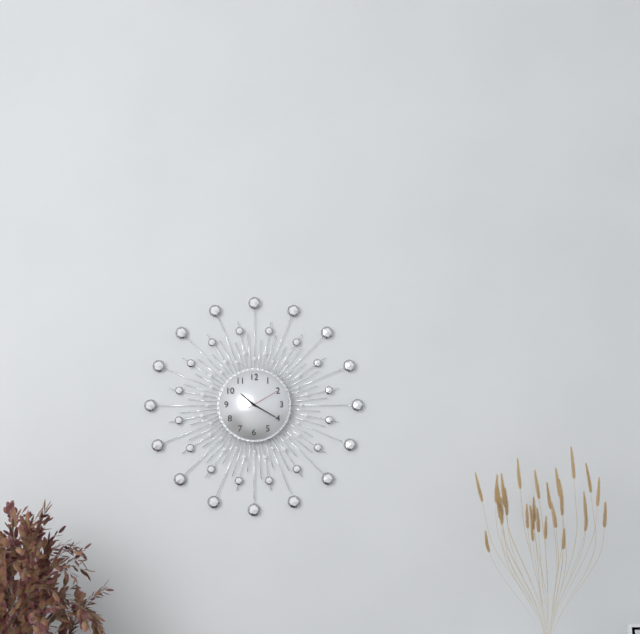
10:20
